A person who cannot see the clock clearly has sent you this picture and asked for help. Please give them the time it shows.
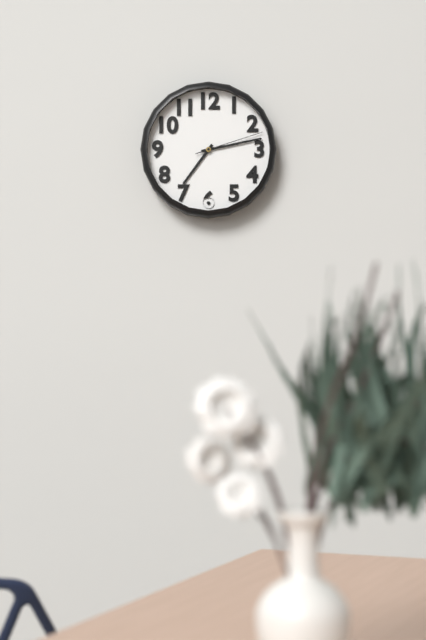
7:13:12
